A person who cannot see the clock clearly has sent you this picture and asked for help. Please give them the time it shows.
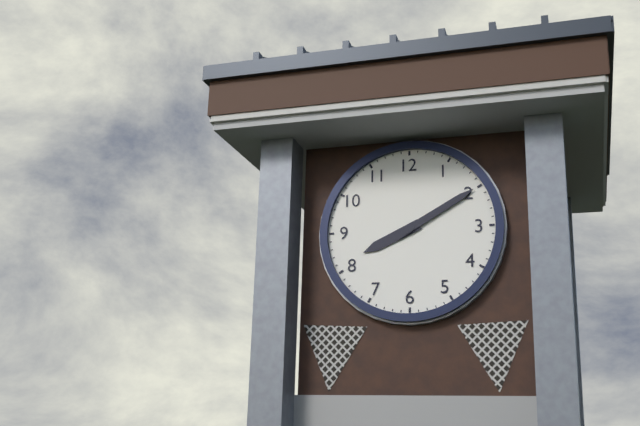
8:10
